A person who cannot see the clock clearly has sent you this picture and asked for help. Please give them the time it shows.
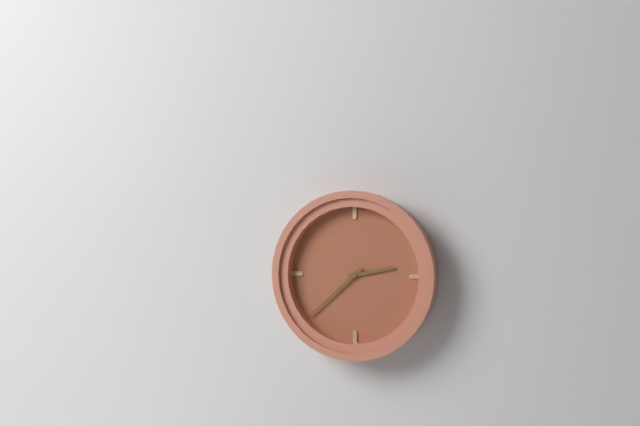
2:38
